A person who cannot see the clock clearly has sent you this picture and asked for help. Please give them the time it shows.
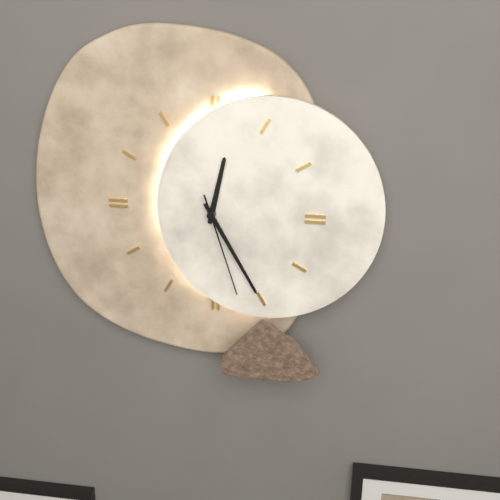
12:25:27
